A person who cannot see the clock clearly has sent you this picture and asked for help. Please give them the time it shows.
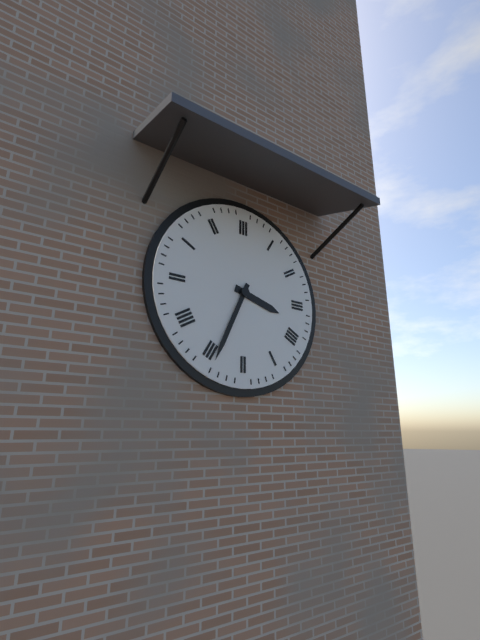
3:34
